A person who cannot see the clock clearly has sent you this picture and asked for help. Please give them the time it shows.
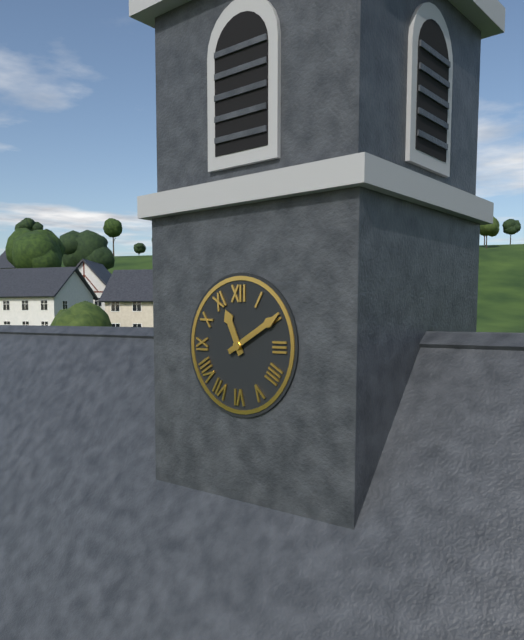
11:10
